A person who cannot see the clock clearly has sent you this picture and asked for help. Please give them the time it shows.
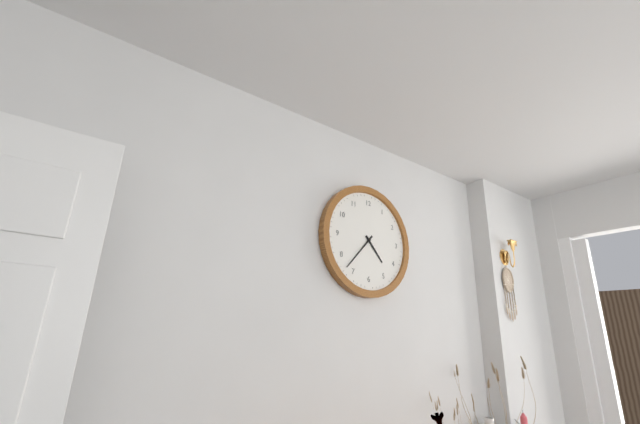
4:37
